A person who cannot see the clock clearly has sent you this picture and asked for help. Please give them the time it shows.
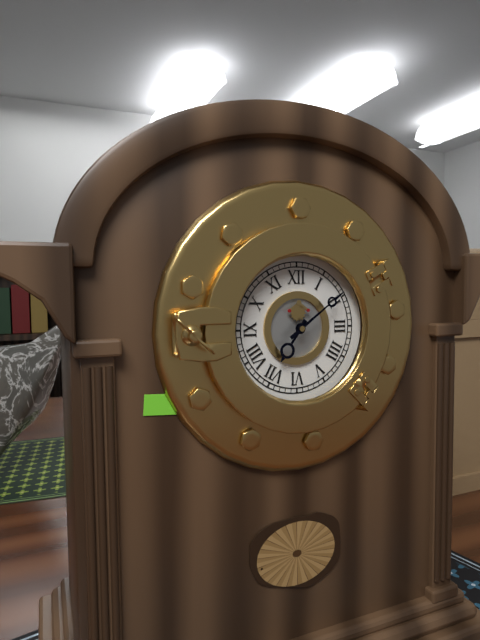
7:09
